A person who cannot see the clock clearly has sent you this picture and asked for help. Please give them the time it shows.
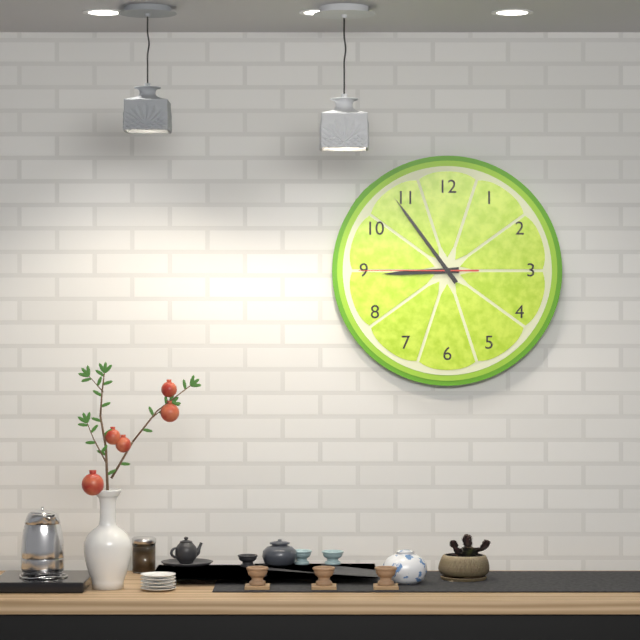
8:54:45
